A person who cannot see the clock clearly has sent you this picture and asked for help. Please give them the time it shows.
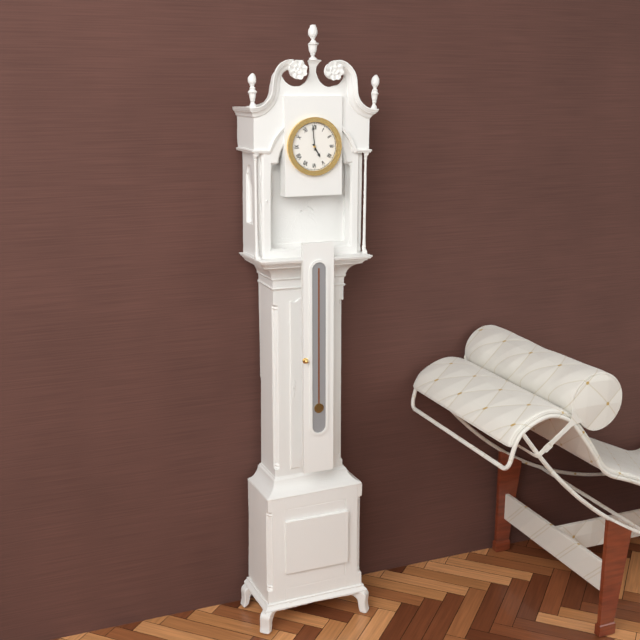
4:59
